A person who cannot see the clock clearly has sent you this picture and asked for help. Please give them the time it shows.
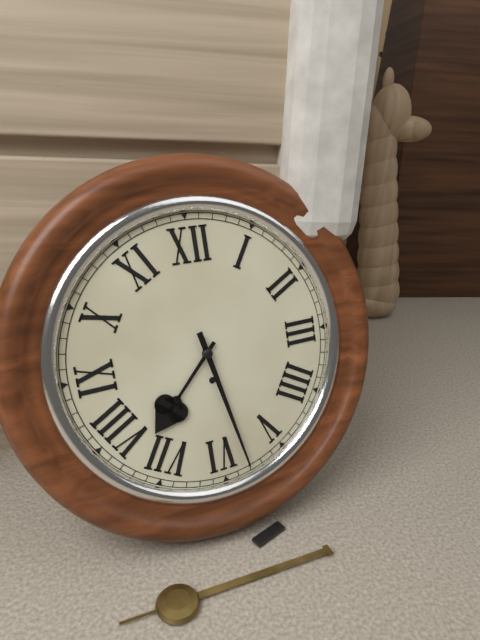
7:28
